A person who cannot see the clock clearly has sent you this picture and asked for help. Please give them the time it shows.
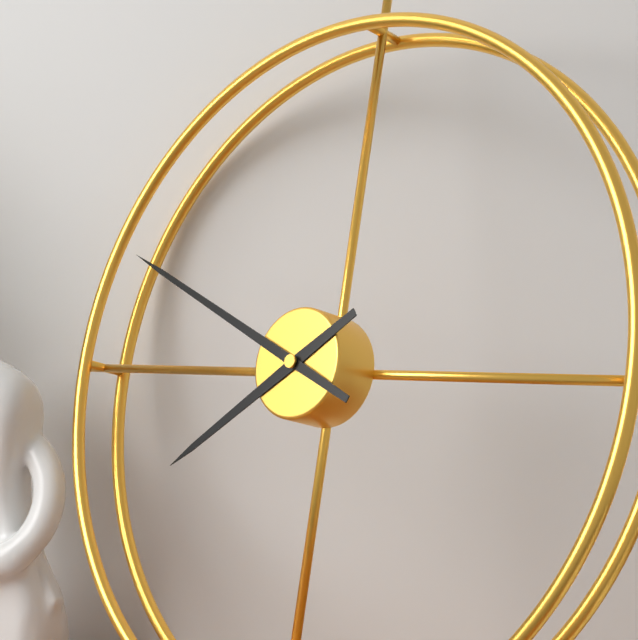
7:49
